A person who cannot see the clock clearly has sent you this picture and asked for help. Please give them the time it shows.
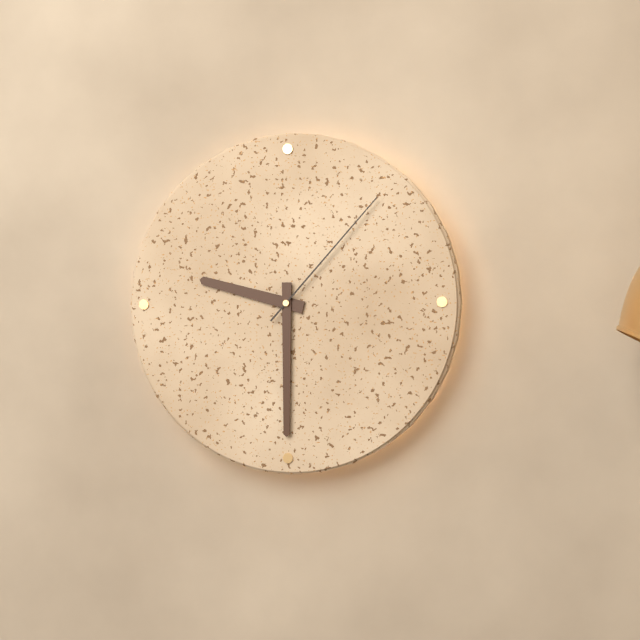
9:30:07
